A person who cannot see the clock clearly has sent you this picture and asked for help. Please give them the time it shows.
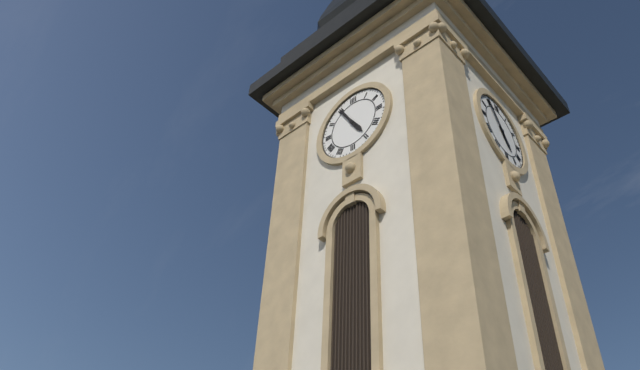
4:55
